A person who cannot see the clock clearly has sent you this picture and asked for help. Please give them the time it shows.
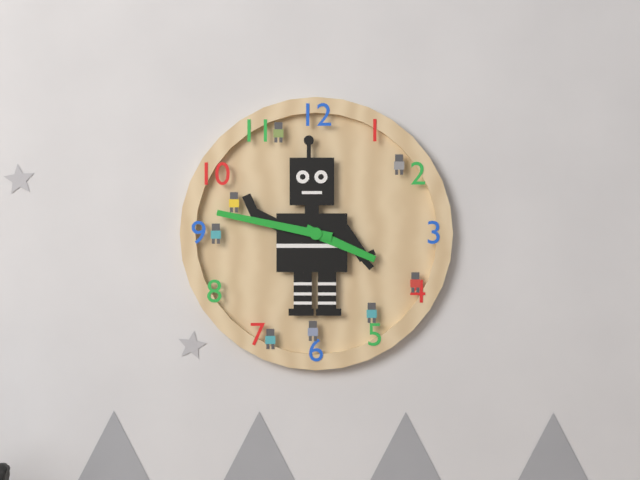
3:47
